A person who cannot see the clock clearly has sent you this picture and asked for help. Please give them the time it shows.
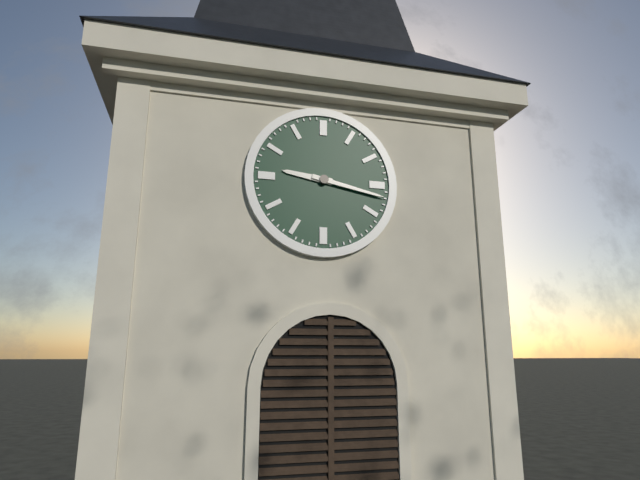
9:17
